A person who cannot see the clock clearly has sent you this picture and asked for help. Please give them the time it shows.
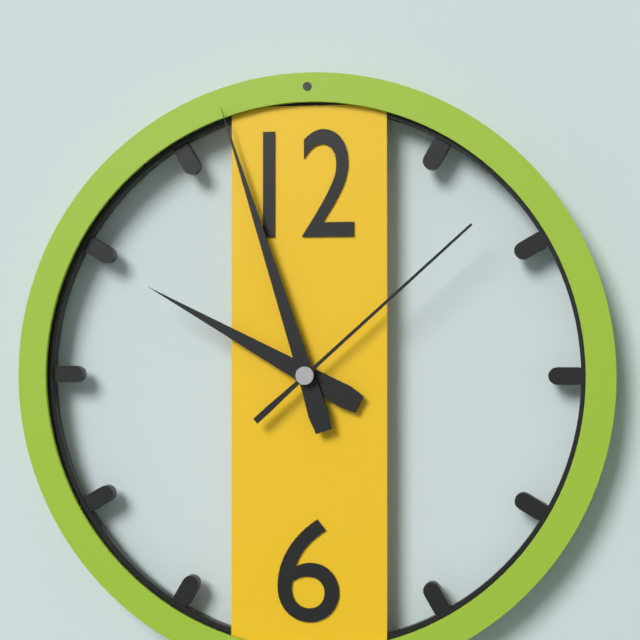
9:57:08
